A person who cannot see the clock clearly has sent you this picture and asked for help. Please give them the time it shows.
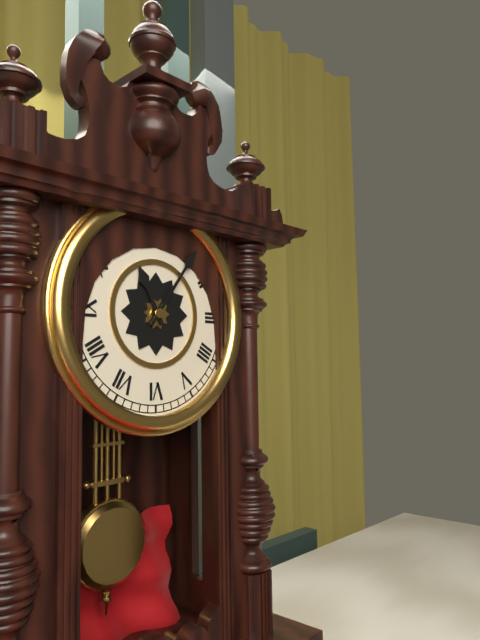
11:06
